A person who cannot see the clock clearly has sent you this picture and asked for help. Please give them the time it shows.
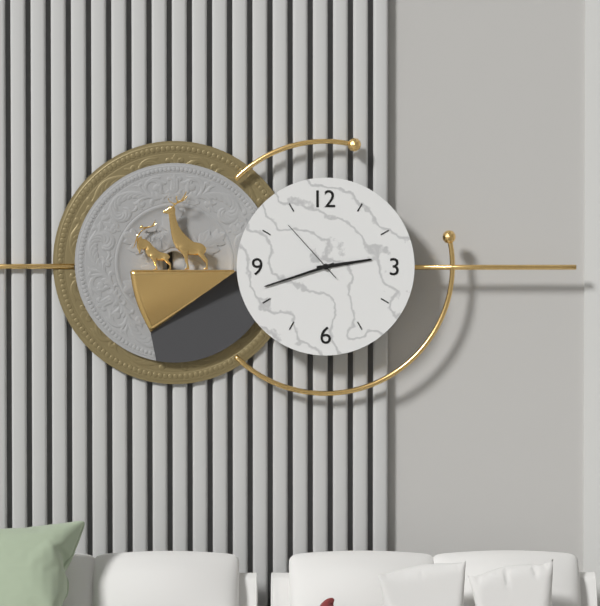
2:42:53
